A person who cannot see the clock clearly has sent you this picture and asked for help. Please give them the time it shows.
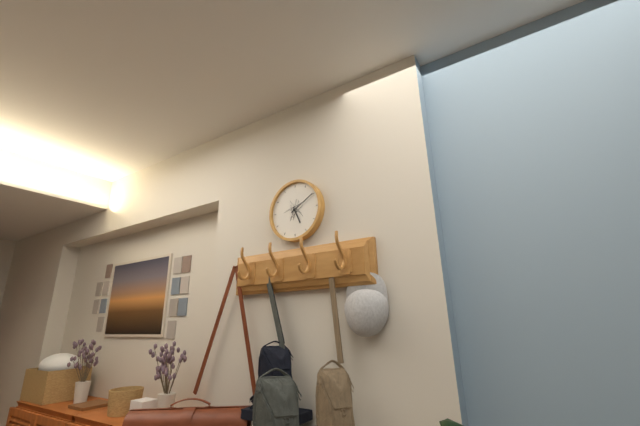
5:10
